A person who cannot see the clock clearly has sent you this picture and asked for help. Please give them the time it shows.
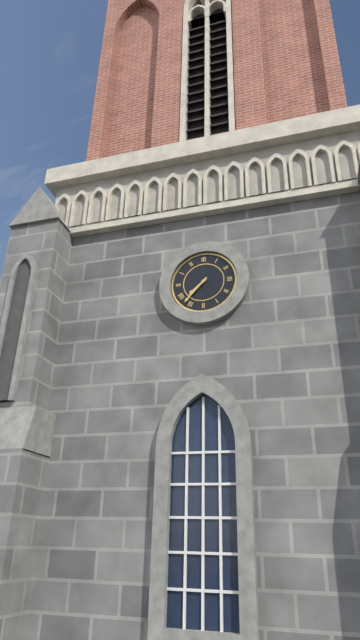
7:37
